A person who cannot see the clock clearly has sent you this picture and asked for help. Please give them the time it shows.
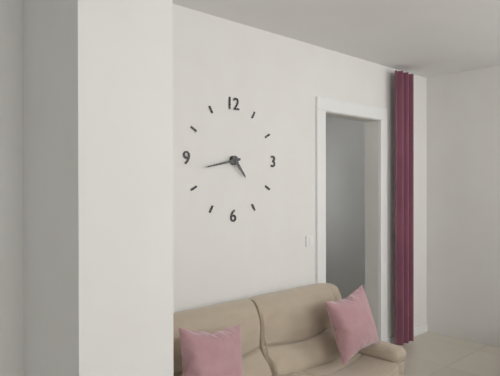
4:43
